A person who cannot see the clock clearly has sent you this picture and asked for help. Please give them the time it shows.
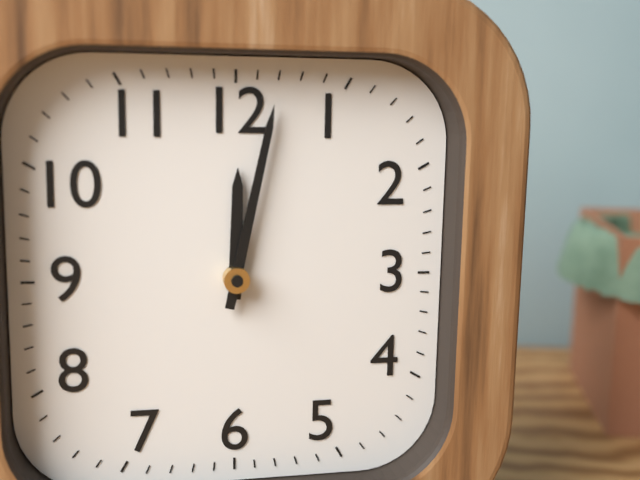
12:02
